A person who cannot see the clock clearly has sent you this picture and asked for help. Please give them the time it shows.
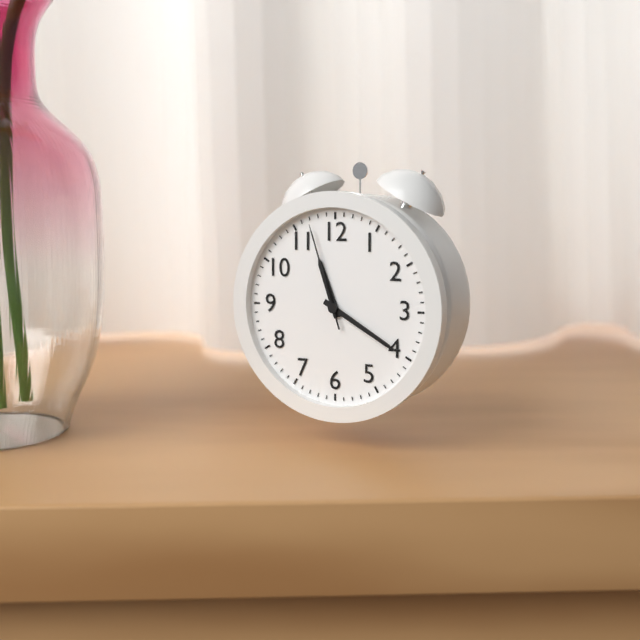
11:20:57
